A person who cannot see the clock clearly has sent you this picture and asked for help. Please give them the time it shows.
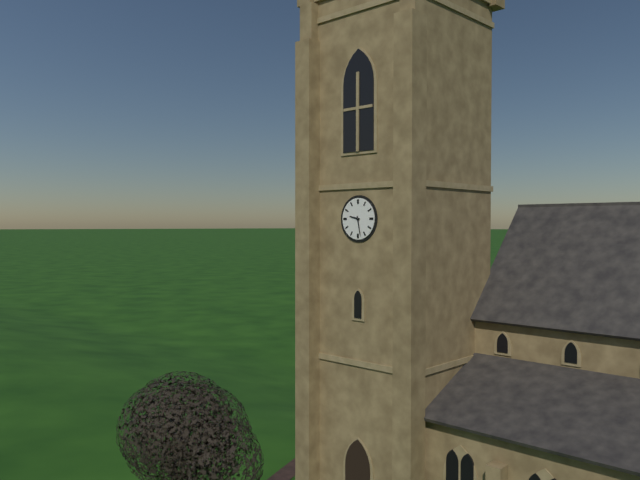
9:28
